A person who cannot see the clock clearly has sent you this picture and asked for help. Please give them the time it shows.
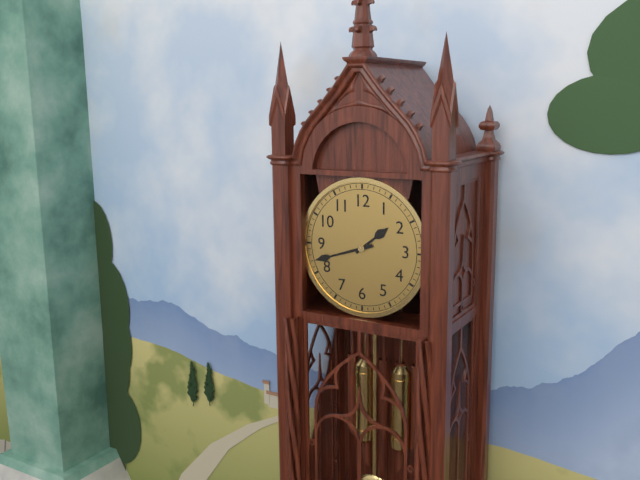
1:42
